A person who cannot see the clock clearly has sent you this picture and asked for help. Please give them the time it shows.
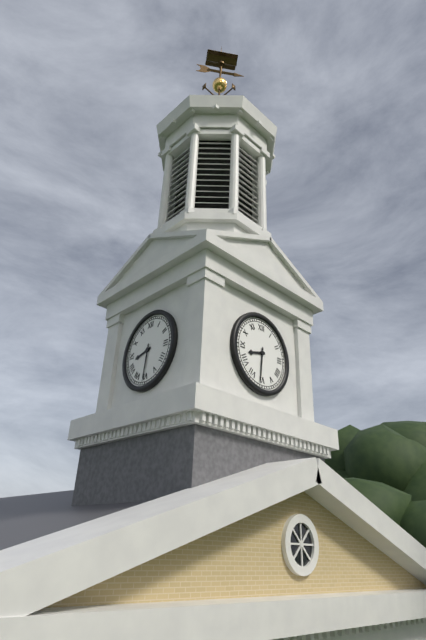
8:31
